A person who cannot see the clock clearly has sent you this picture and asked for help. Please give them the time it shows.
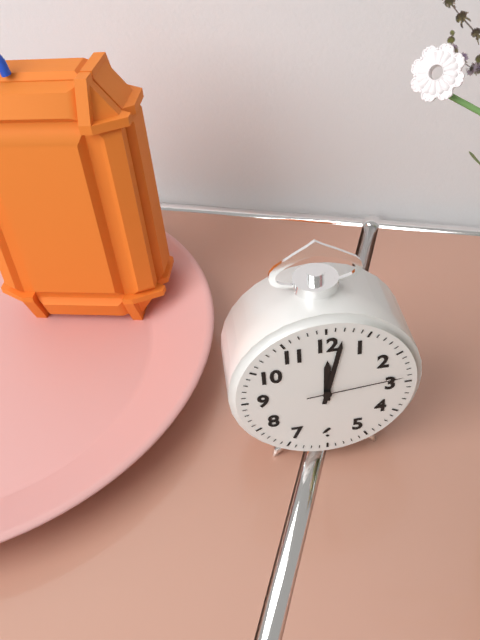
12:02:14
